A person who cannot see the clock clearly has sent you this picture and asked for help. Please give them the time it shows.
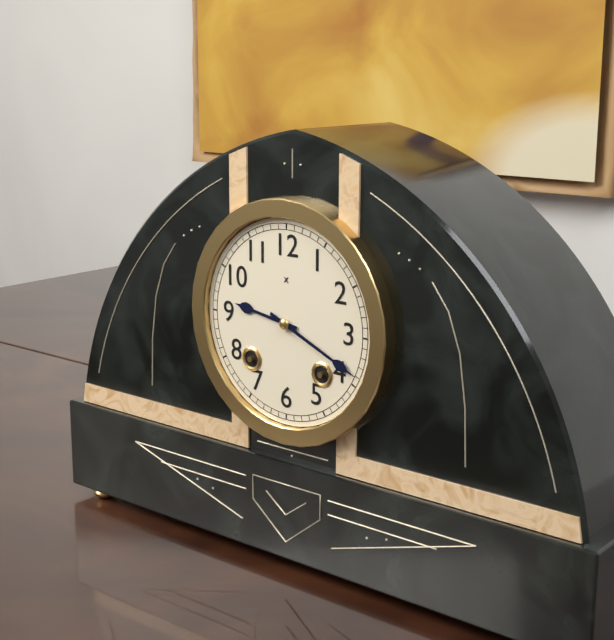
9:19
